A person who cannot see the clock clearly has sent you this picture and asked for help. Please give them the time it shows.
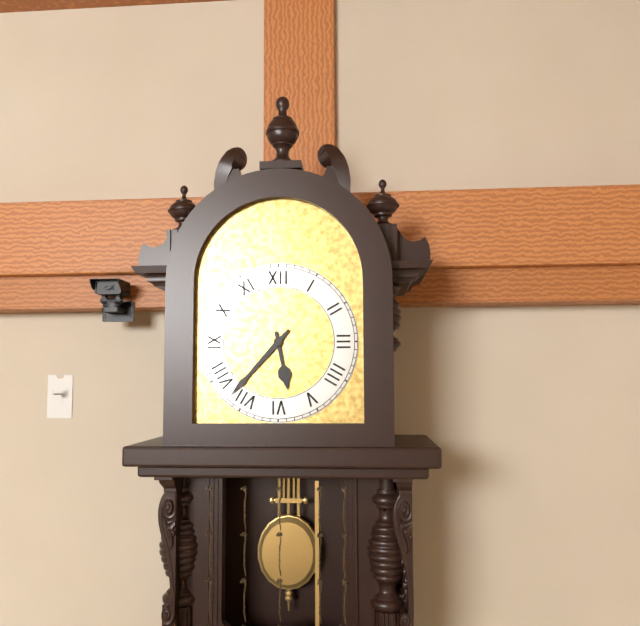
5:37
